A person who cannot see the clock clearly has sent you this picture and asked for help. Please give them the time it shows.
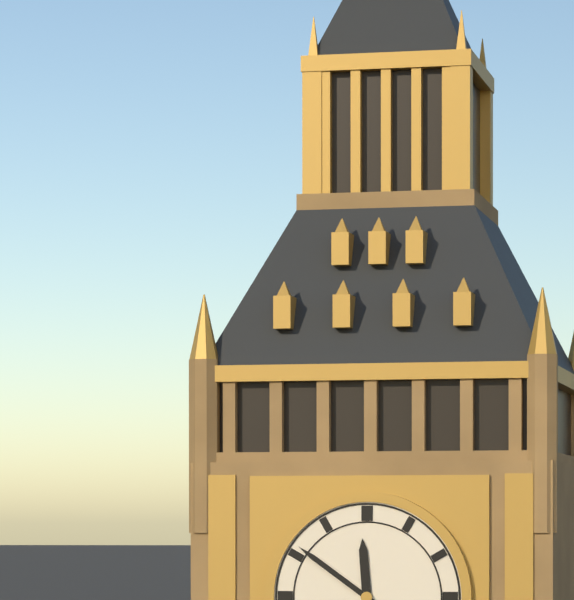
11:51
